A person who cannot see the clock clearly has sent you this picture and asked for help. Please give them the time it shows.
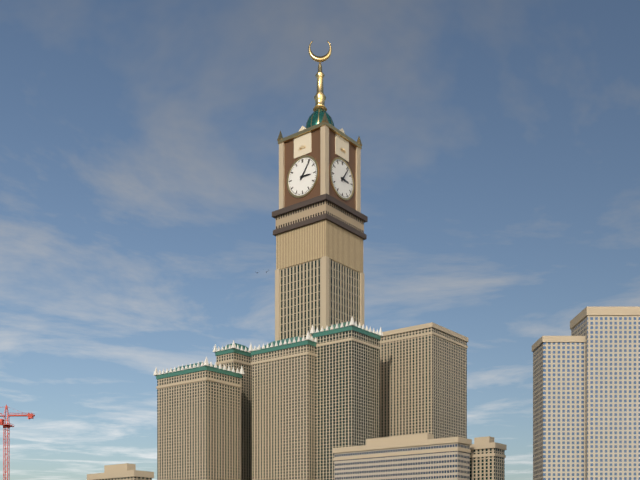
3:06
